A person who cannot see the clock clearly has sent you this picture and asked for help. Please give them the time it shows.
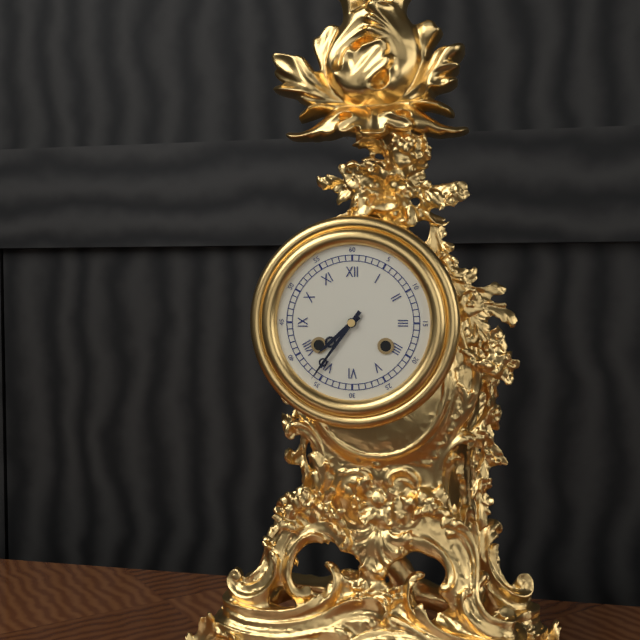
7:36
